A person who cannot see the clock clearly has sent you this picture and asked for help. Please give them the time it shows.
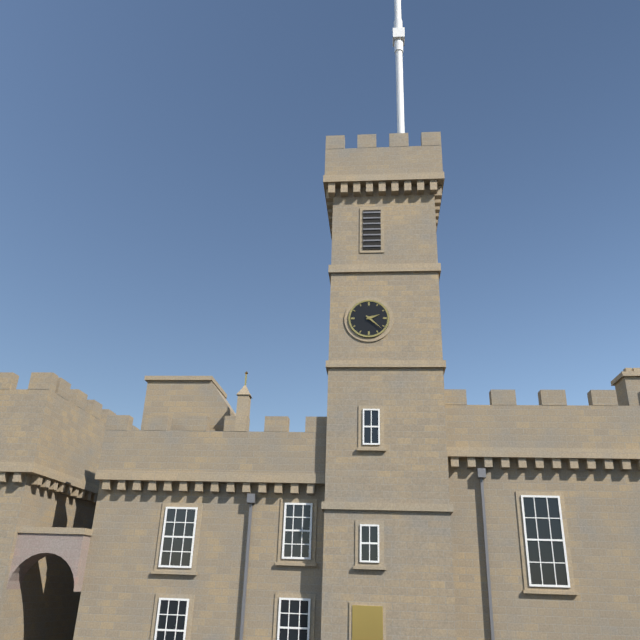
2:22
